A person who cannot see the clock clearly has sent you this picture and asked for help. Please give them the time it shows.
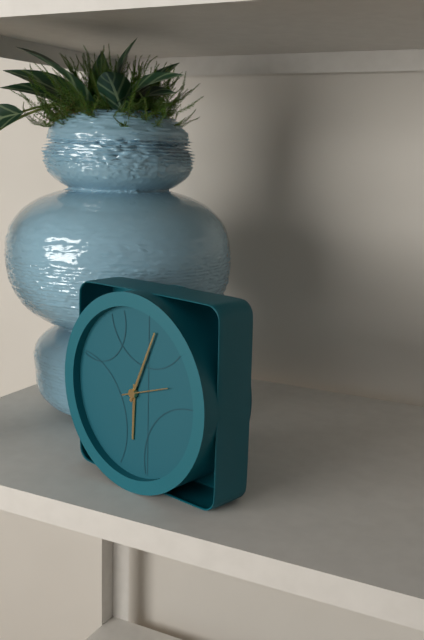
6:04
